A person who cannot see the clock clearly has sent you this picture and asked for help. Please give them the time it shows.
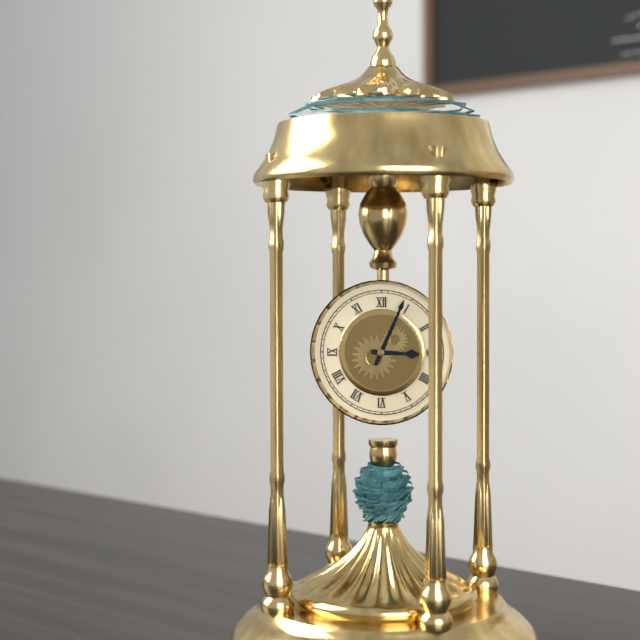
3:04
